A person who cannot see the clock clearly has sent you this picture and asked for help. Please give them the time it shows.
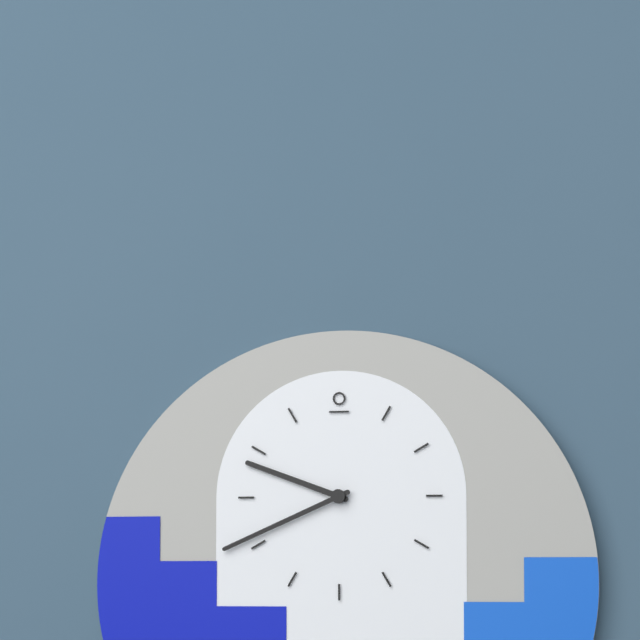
9:41
